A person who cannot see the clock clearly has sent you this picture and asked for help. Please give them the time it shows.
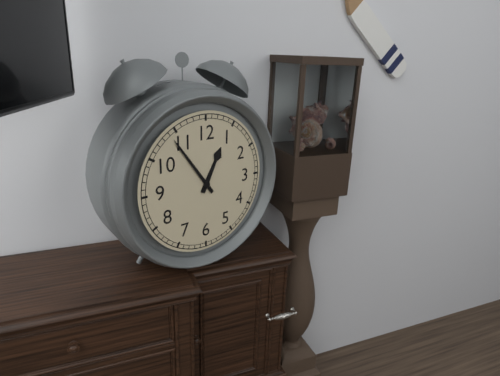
12:54
